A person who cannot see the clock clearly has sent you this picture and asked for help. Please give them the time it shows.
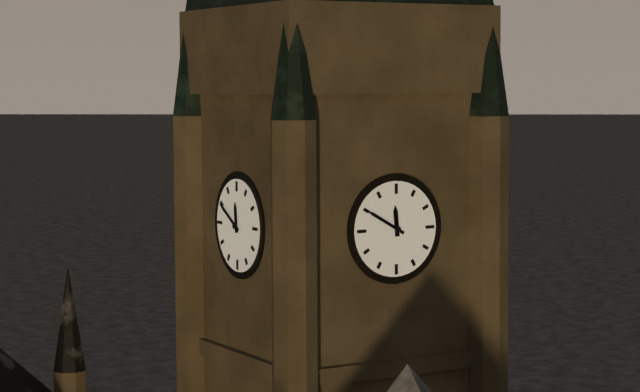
11:50
